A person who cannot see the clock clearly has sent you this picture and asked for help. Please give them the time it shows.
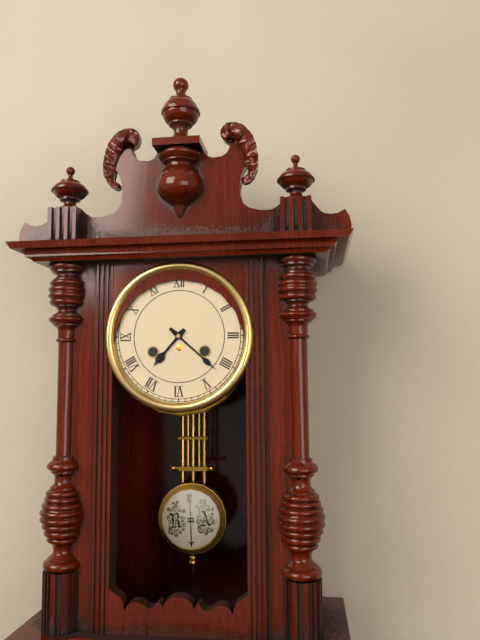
7:22
